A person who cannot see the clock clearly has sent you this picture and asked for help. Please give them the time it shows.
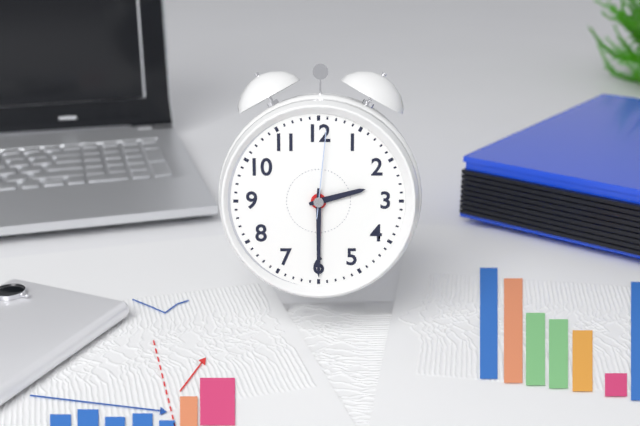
2:30:01
